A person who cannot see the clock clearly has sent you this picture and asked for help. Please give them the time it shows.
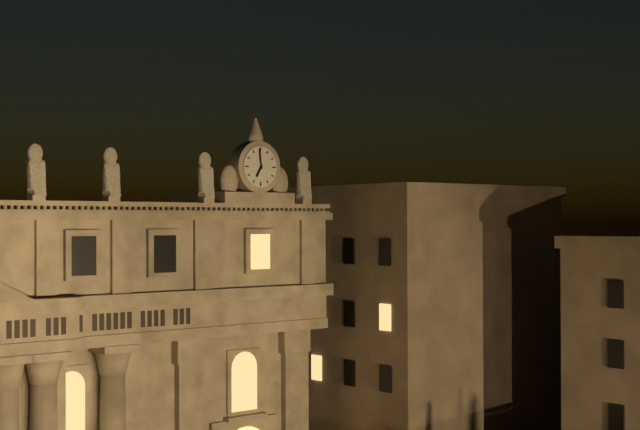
6:59
